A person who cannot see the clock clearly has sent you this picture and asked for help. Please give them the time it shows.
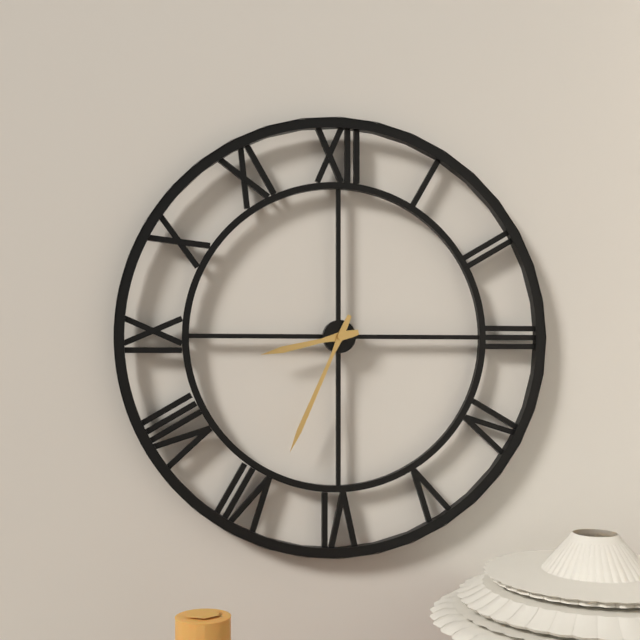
8:34
